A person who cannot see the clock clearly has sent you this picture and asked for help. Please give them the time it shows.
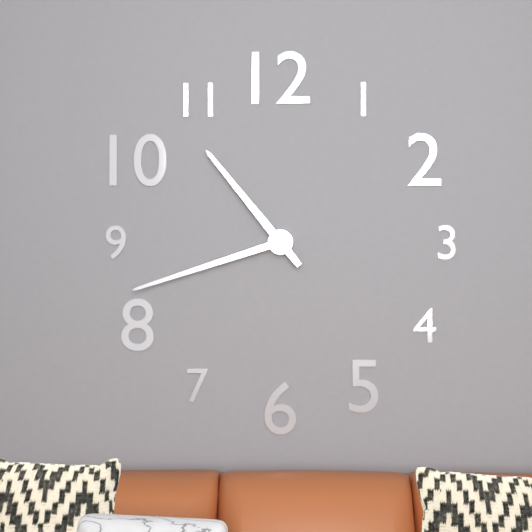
10:42
